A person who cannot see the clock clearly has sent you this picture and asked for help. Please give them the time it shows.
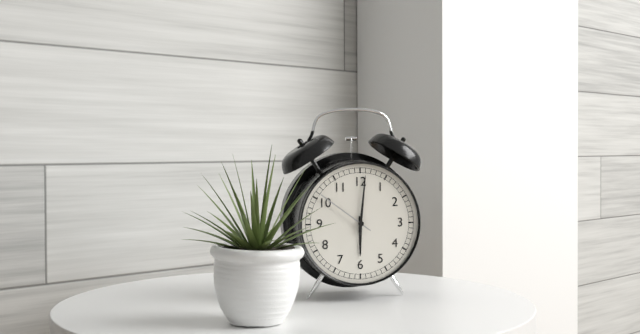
6:01:51
